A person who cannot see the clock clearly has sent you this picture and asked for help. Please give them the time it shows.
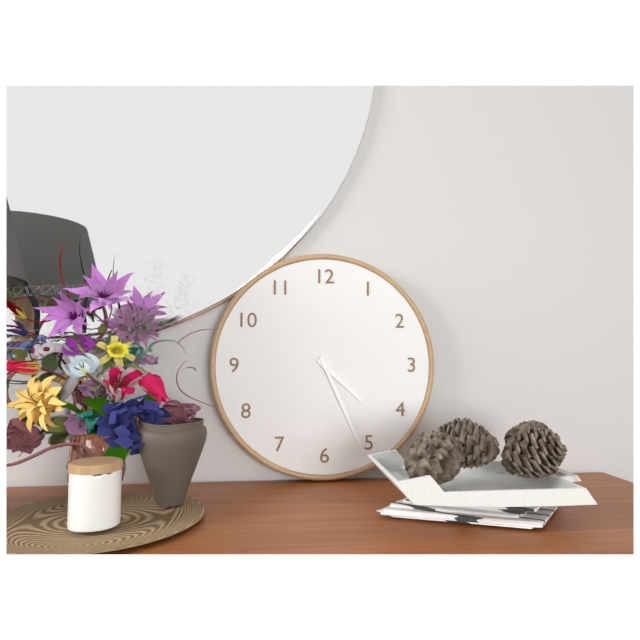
4:26
